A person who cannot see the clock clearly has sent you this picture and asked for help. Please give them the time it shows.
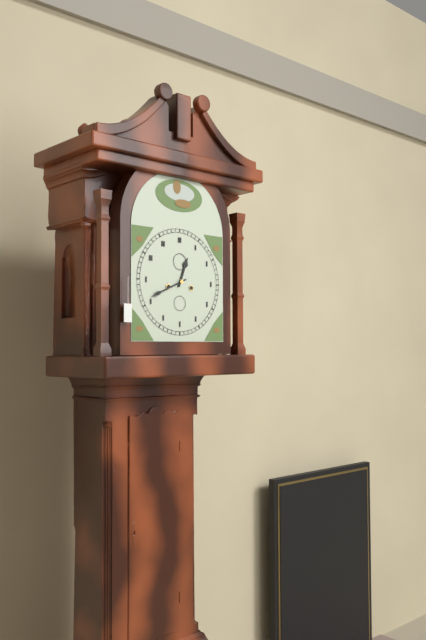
12:41
